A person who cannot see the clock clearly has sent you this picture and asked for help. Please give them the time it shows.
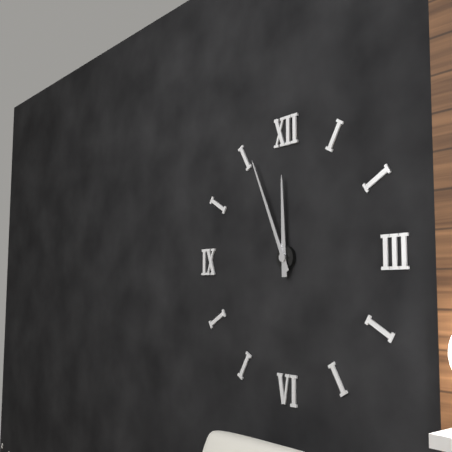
11:56
